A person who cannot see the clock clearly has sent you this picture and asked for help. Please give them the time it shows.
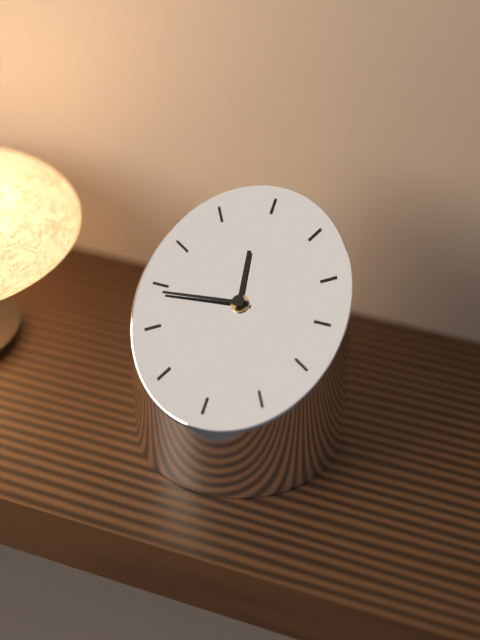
11:44
